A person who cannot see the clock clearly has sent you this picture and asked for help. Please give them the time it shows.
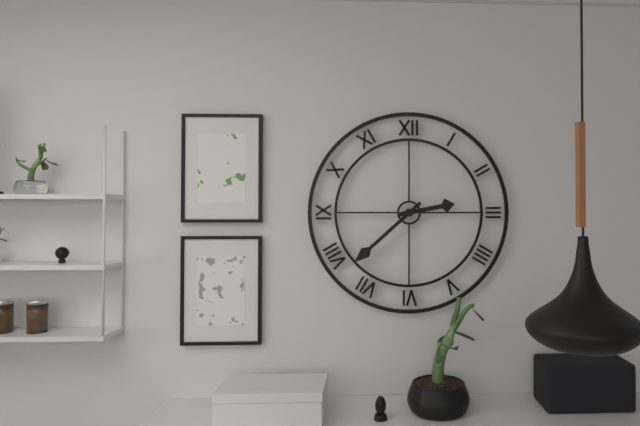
2:38
